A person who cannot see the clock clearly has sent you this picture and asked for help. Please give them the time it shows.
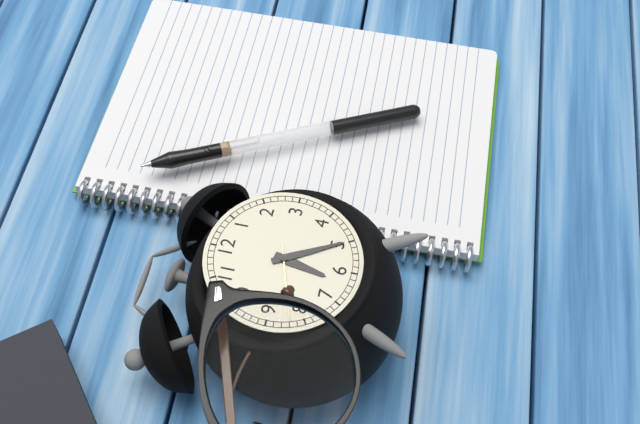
6:25:42
